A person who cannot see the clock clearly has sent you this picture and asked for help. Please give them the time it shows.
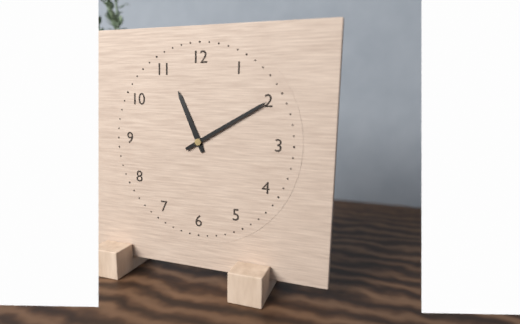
11:10
